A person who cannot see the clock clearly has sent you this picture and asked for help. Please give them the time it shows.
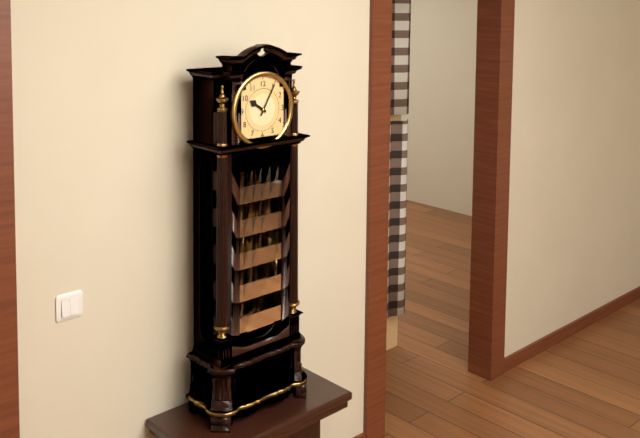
10:05
